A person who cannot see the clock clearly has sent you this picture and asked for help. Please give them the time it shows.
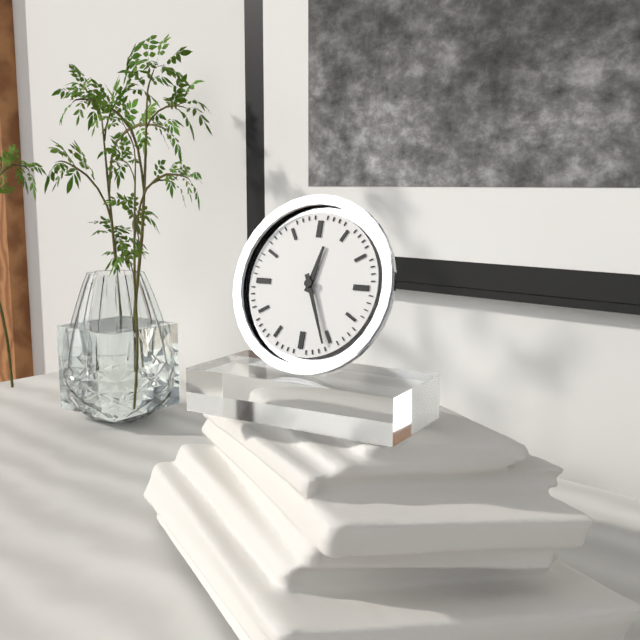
12:26
